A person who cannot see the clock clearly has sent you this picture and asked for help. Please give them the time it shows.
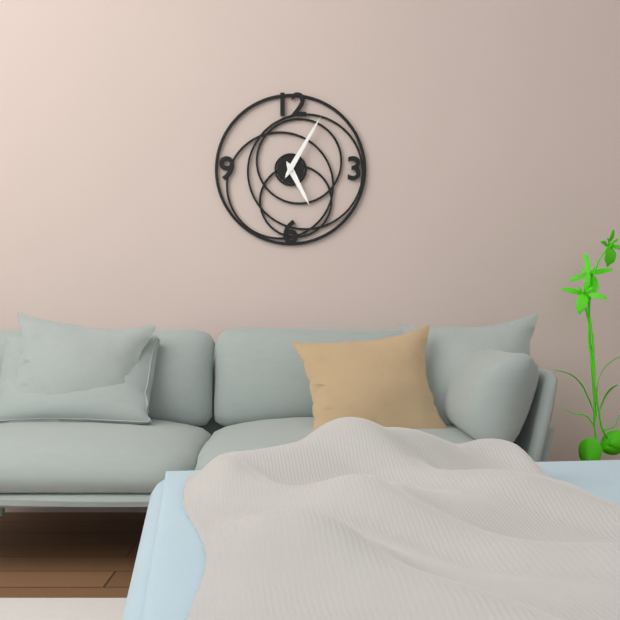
5:05
